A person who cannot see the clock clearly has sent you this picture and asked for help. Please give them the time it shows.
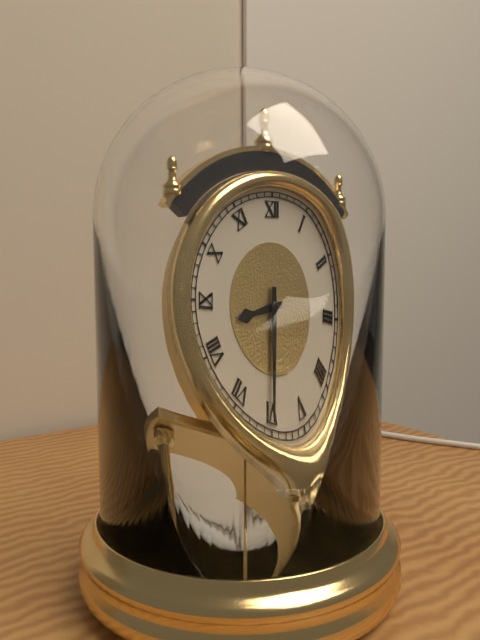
8:30
